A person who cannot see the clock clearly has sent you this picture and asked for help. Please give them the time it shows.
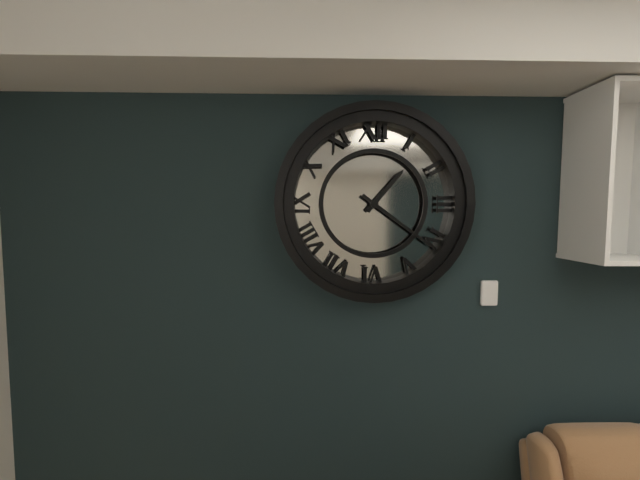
1:21
